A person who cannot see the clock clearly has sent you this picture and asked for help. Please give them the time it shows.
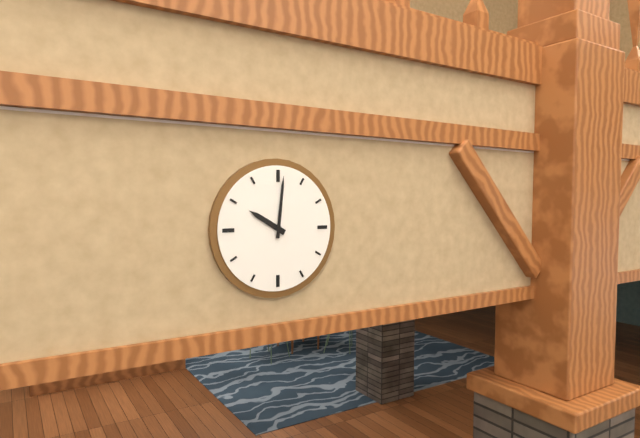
10:01
